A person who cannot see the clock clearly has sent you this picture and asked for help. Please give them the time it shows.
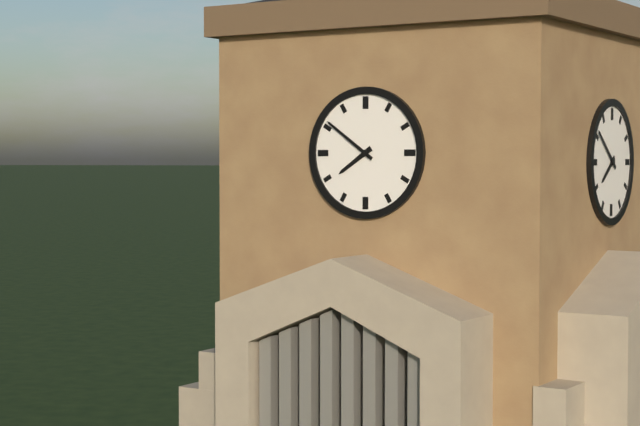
7:51
